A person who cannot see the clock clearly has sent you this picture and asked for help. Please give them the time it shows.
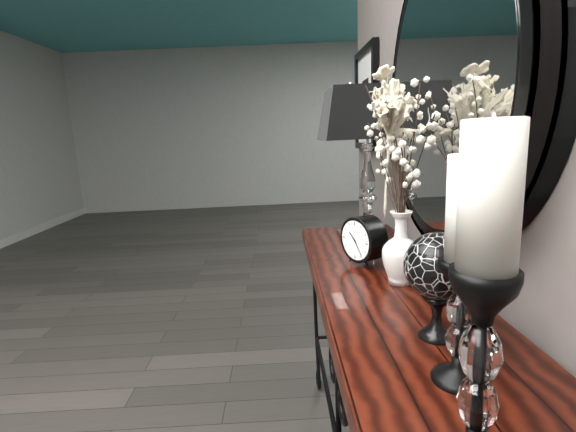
10:24
